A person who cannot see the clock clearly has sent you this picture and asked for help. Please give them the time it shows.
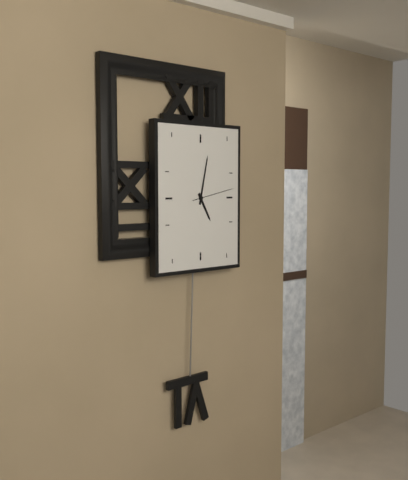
5:02
